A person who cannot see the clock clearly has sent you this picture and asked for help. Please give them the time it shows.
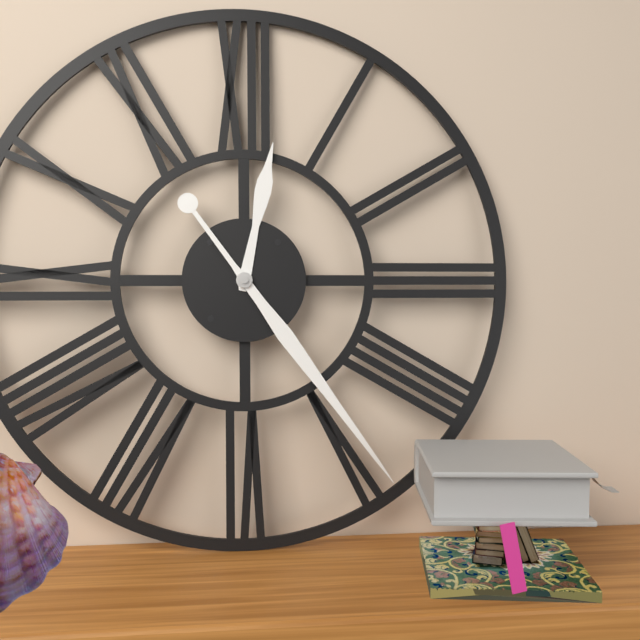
12:24
